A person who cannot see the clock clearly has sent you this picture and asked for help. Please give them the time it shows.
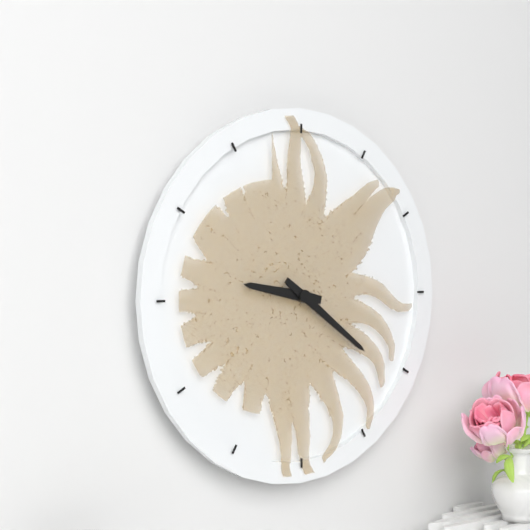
9:21
